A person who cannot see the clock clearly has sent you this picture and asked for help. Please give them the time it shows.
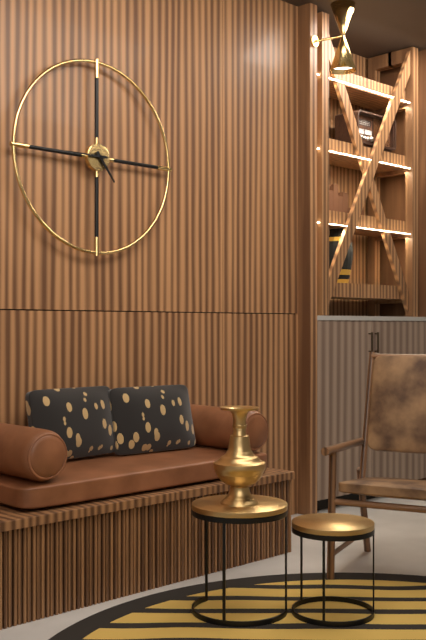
4:45
